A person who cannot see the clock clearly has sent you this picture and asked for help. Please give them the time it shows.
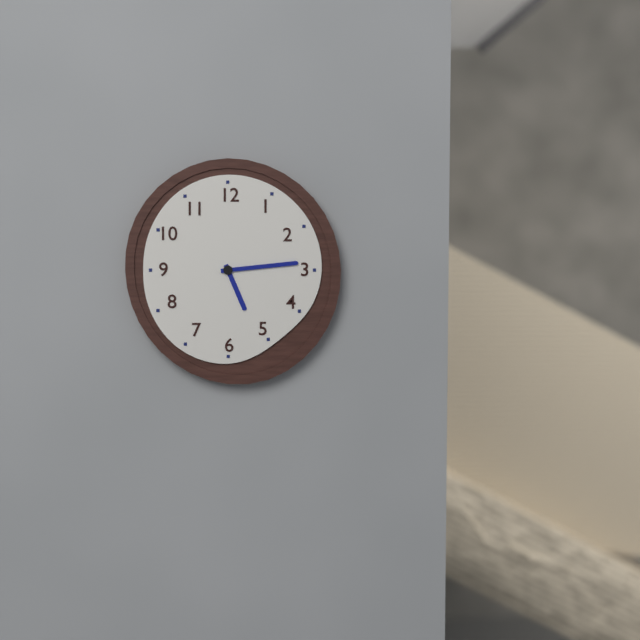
5:14
